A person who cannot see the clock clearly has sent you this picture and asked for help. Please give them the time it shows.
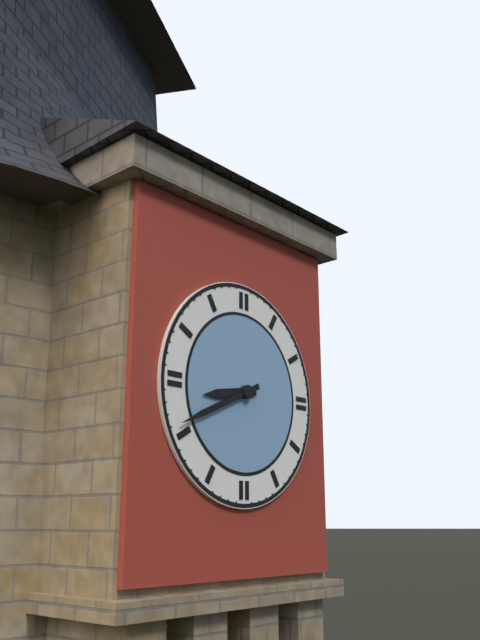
8:41
